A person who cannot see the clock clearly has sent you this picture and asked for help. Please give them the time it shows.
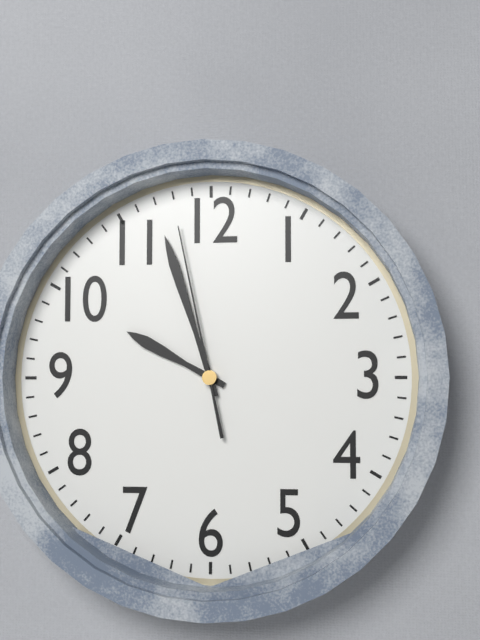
9:57:58
